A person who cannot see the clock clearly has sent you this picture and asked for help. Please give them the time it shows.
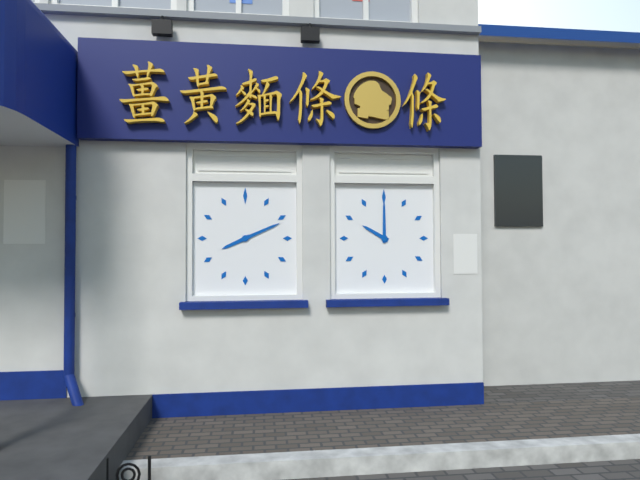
8:11
